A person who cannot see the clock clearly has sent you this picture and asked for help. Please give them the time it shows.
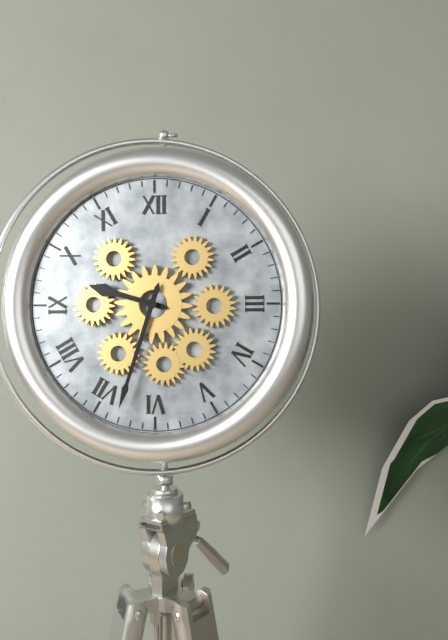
9:33
